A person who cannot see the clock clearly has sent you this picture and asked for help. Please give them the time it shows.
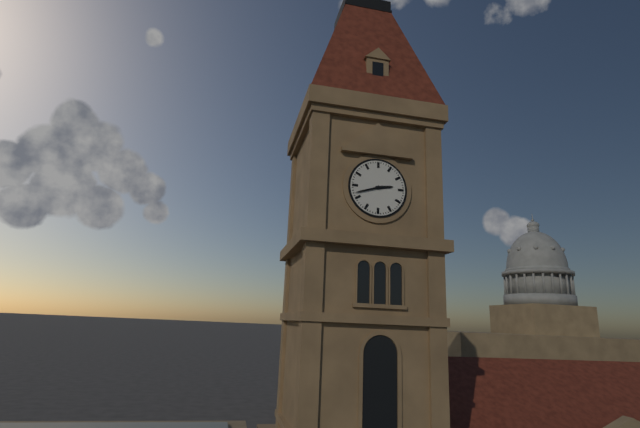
2:42
